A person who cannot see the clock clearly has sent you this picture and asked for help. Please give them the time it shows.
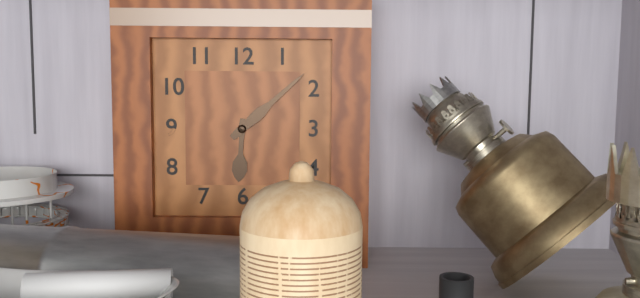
6:08
